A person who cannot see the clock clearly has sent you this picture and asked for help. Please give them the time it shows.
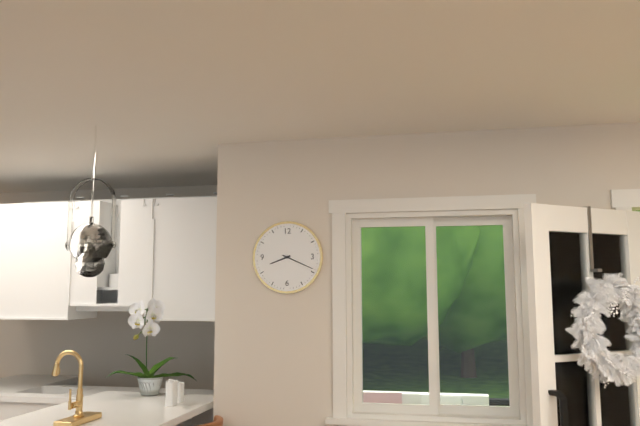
8:19
